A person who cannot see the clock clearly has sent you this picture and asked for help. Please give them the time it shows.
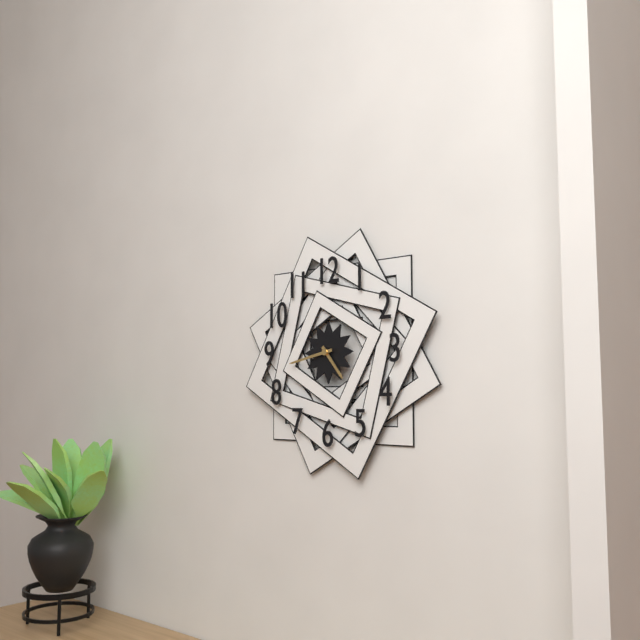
4:43
